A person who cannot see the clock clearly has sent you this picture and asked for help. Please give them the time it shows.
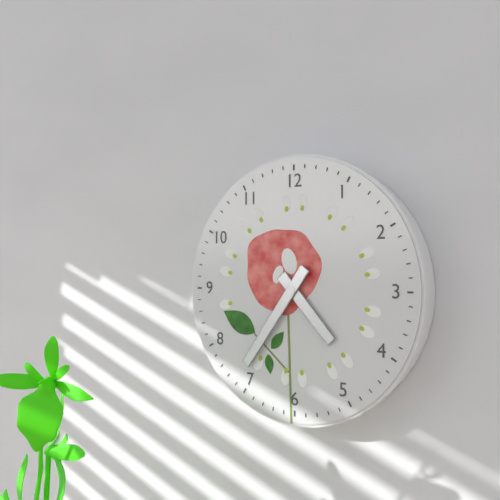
4:36
